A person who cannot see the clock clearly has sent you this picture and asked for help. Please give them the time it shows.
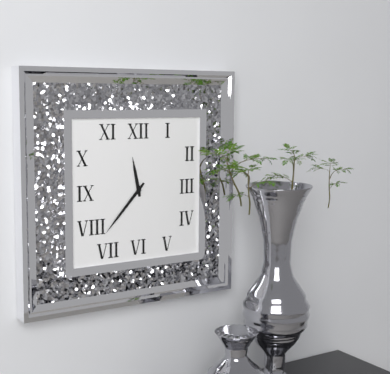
11:37
